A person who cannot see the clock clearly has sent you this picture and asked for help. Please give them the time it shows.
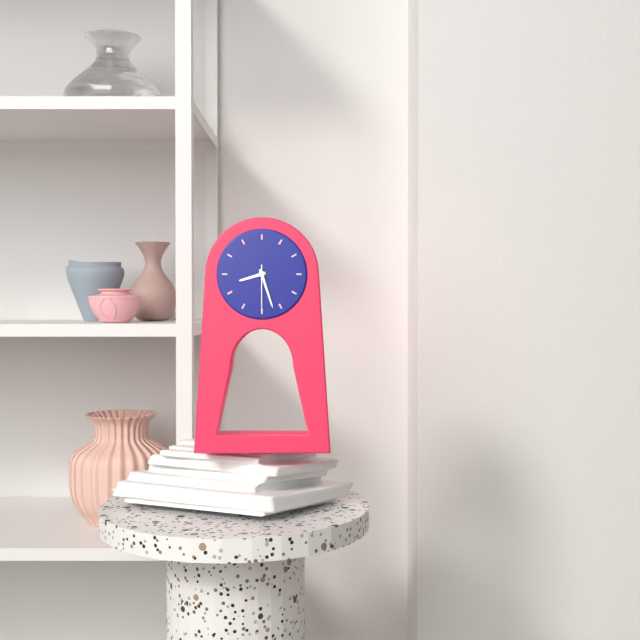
8:27
